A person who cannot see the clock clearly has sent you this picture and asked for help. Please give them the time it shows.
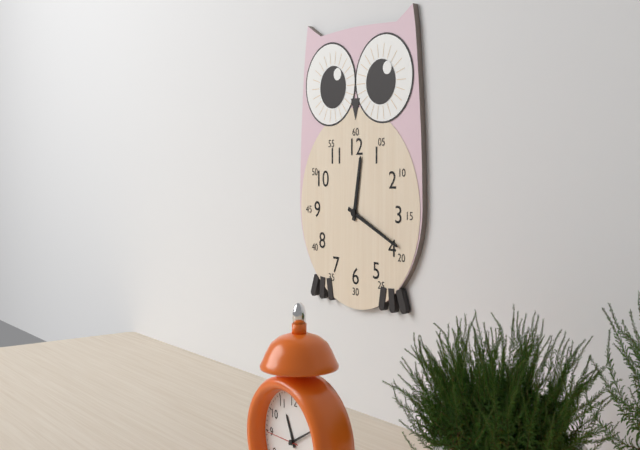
12:19
